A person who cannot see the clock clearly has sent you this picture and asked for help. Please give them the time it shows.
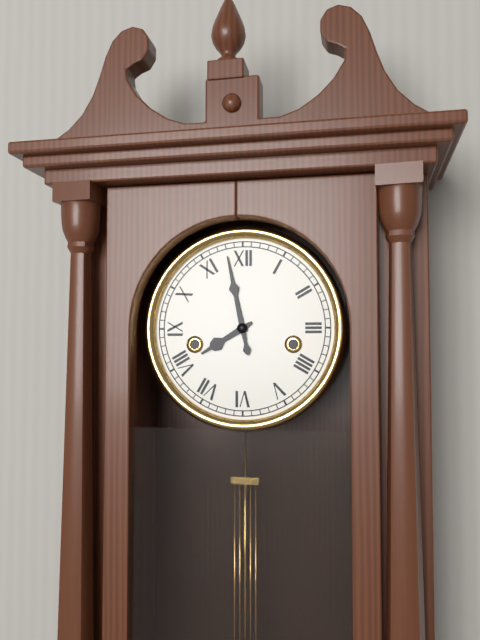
7:58
